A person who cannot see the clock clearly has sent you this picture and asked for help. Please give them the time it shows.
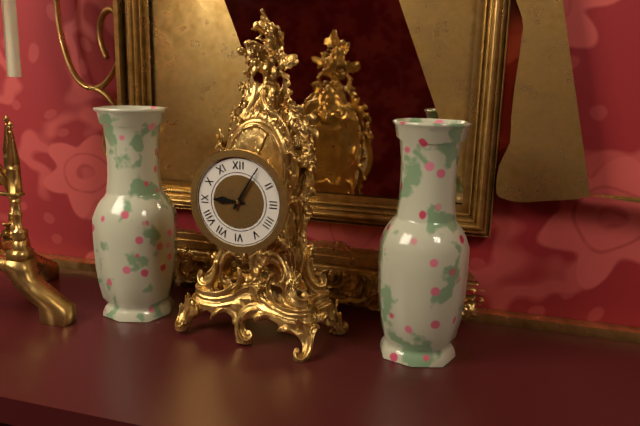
9:05
